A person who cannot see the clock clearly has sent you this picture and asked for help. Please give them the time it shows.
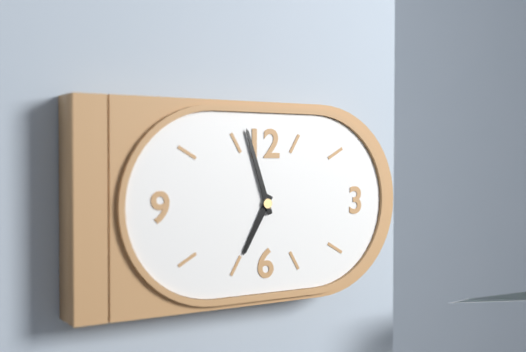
6:57
